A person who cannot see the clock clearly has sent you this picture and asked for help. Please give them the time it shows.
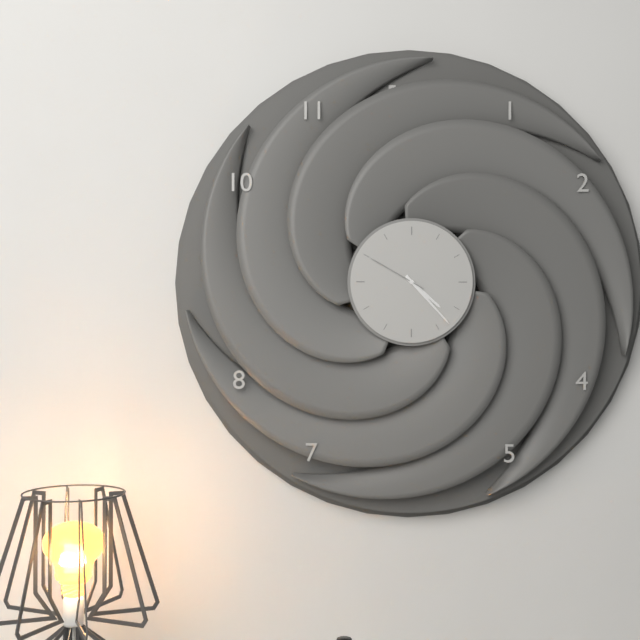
4:23:50
